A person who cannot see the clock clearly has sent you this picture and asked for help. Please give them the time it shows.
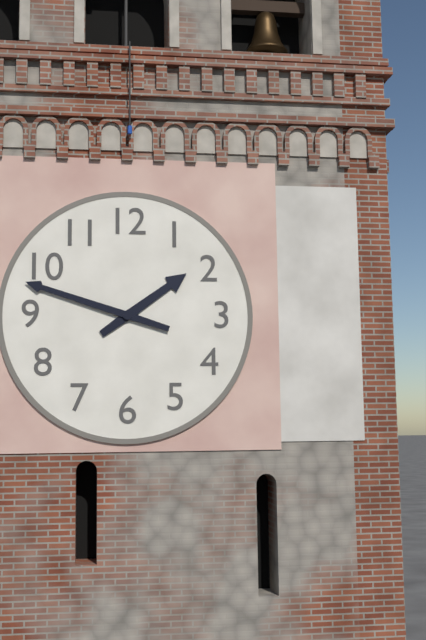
1:48
